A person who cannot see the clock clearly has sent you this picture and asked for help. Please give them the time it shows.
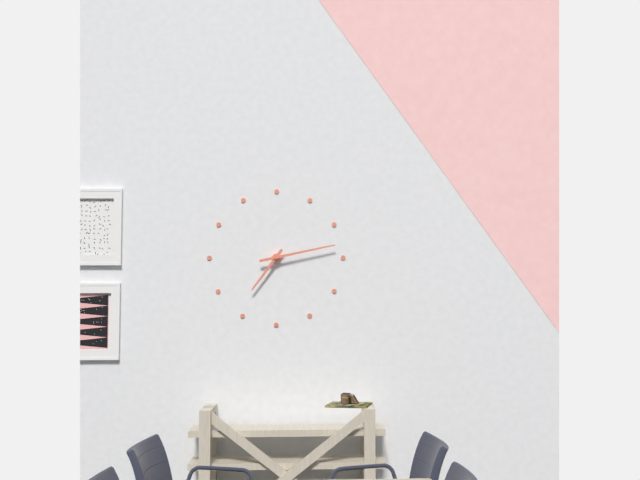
7:13
